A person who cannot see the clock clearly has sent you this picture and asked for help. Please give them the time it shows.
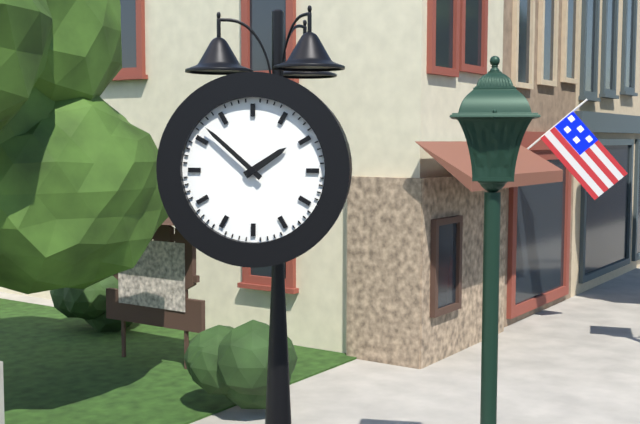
1:52
